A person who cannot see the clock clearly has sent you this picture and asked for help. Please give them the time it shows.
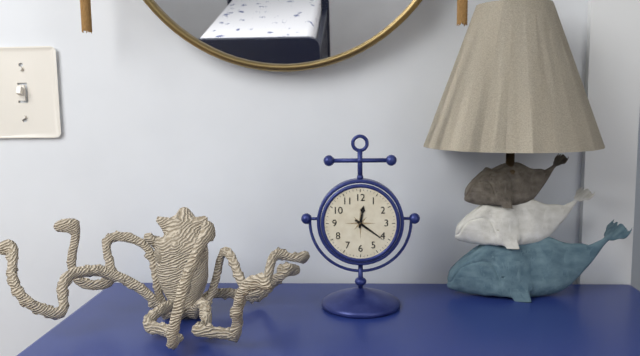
12:21
